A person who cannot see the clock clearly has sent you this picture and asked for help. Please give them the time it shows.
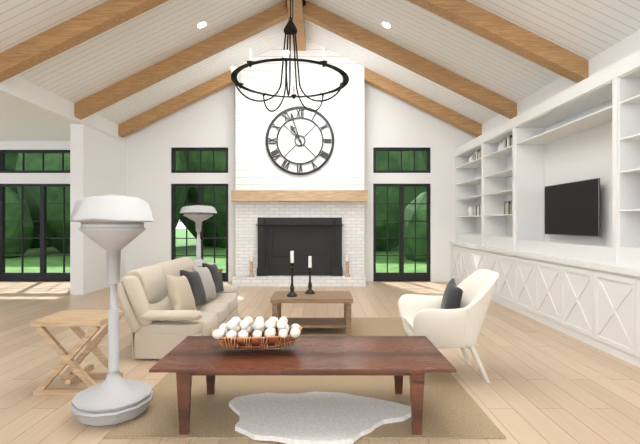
10:57
